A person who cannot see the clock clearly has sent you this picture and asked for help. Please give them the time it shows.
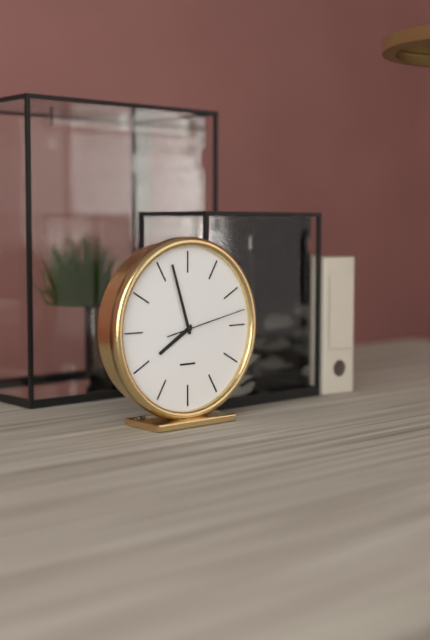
7:57:13
